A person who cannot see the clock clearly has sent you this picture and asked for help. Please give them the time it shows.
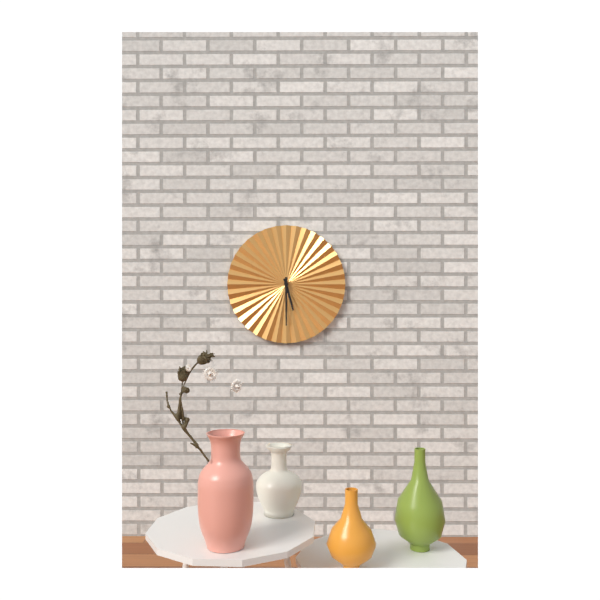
5:30
